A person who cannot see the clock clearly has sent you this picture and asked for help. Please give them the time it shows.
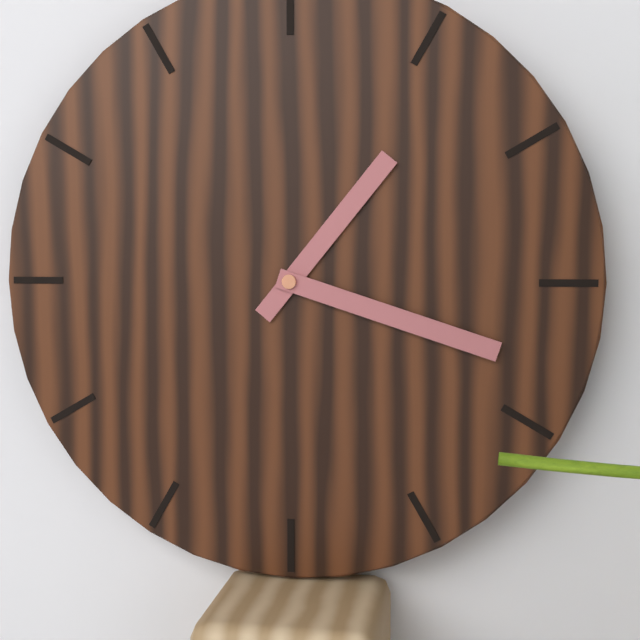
1:18
